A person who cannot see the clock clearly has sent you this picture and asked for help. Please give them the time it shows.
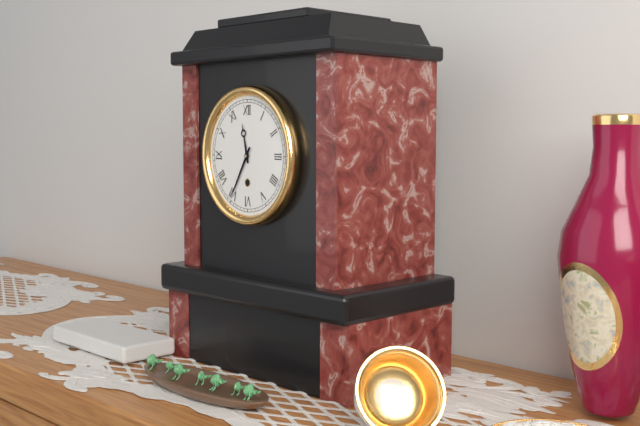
11:35
